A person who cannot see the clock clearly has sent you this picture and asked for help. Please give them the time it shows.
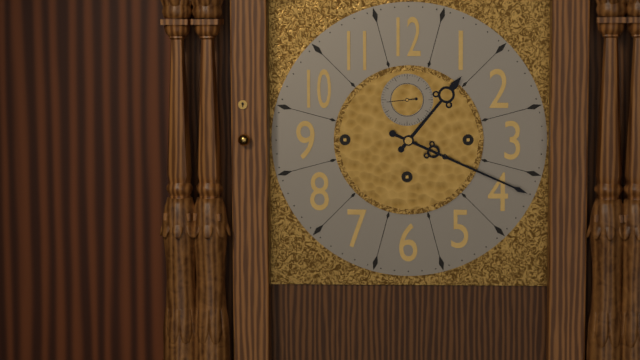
1:19
